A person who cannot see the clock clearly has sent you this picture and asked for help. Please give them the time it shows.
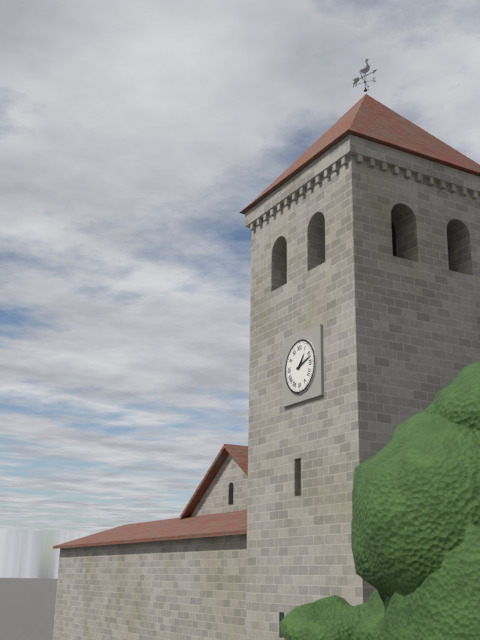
1:12
